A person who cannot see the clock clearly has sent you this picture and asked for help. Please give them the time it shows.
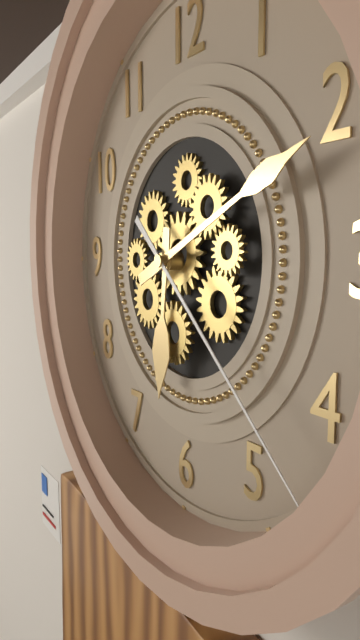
6:11:22
